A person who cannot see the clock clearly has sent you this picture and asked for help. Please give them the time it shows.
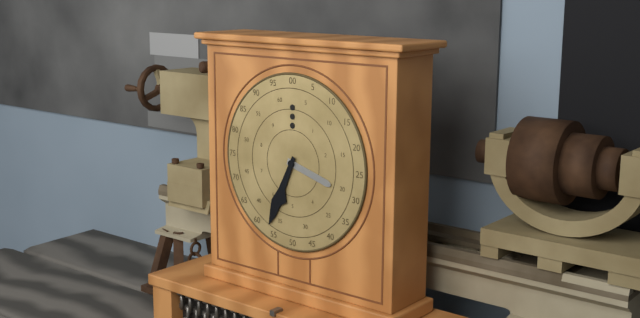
3:34
